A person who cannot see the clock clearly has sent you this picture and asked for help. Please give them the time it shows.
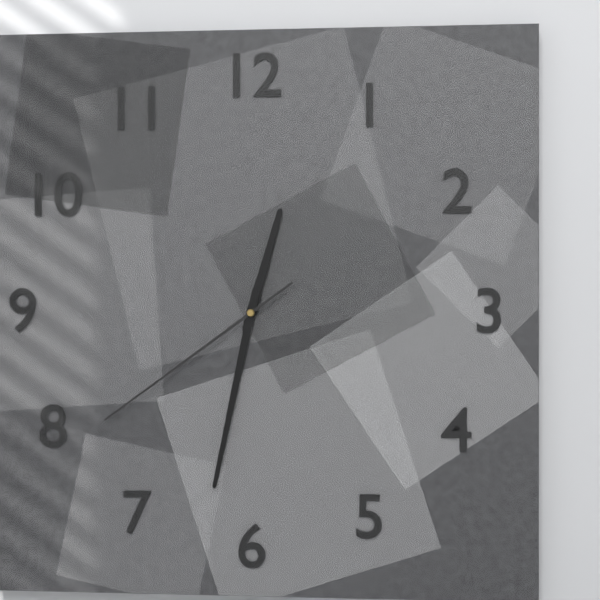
12:32:39
